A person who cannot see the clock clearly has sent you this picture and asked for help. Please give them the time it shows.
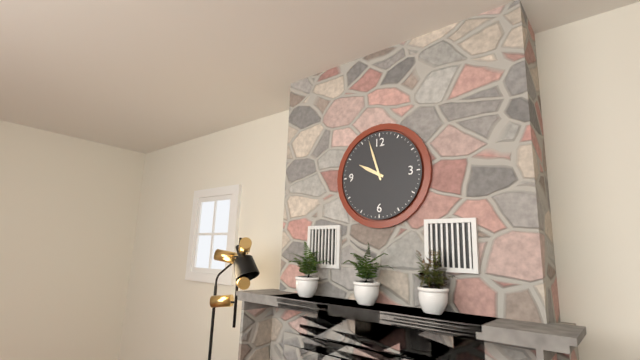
9:57
